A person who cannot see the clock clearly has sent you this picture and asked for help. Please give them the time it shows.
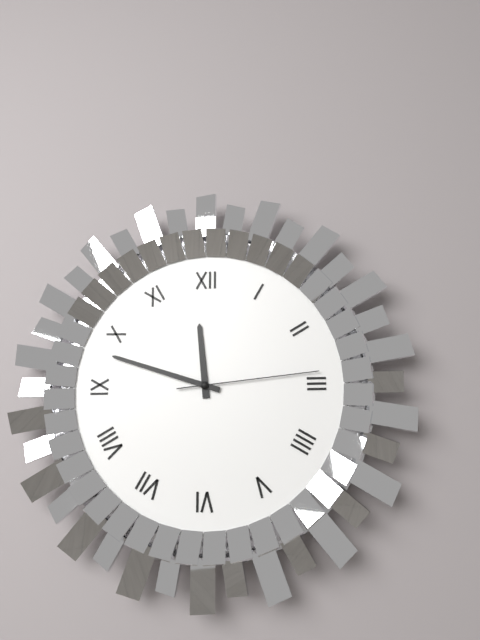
11:48:14
